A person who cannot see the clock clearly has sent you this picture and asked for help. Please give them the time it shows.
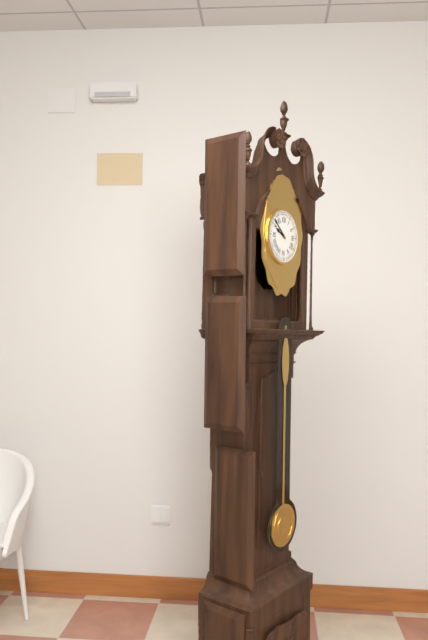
9:52
